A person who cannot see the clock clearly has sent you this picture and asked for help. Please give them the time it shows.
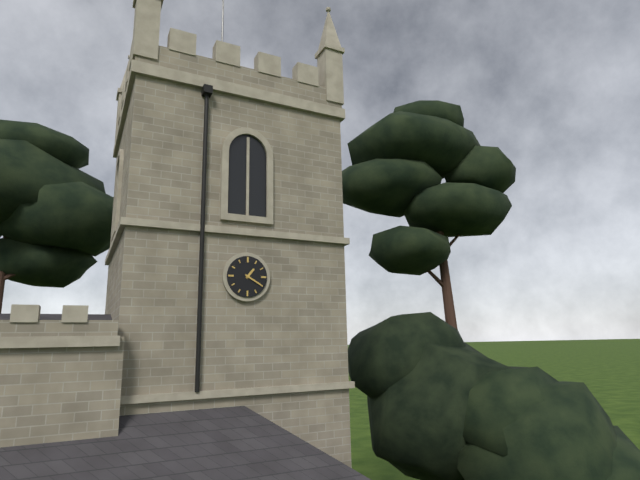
1:20
